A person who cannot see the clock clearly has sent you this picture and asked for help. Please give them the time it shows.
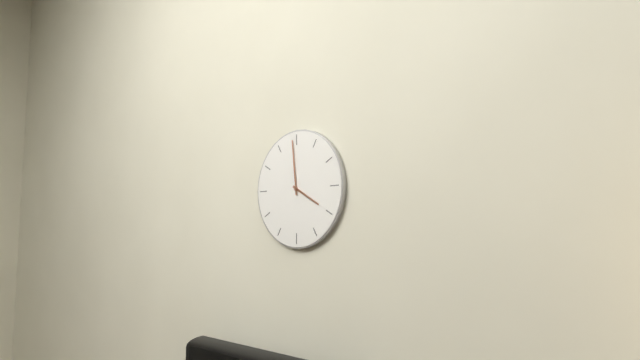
3:59
